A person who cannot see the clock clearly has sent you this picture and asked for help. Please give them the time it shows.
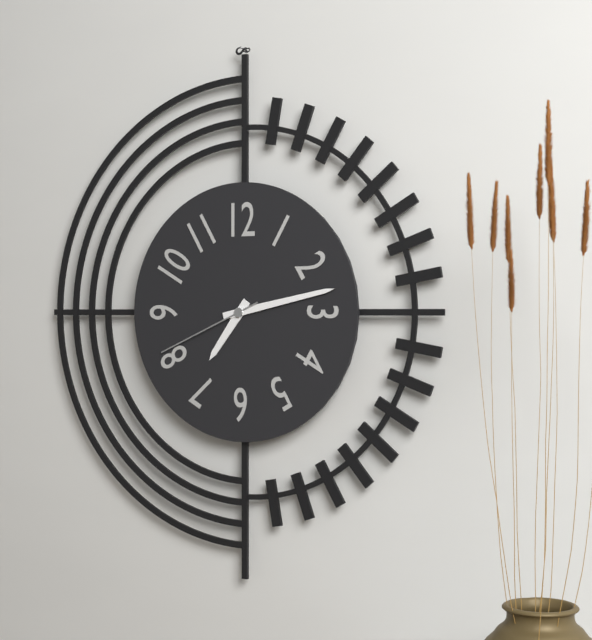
7:13:41
